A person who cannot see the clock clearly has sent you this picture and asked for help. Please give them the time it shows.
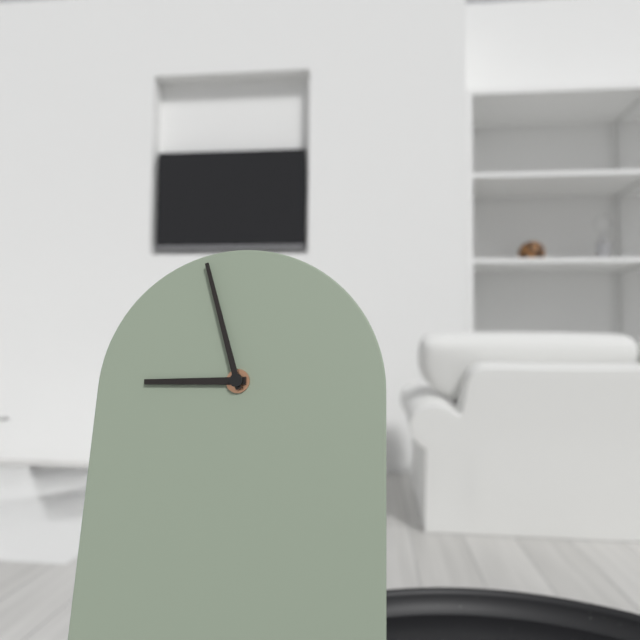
8:57
